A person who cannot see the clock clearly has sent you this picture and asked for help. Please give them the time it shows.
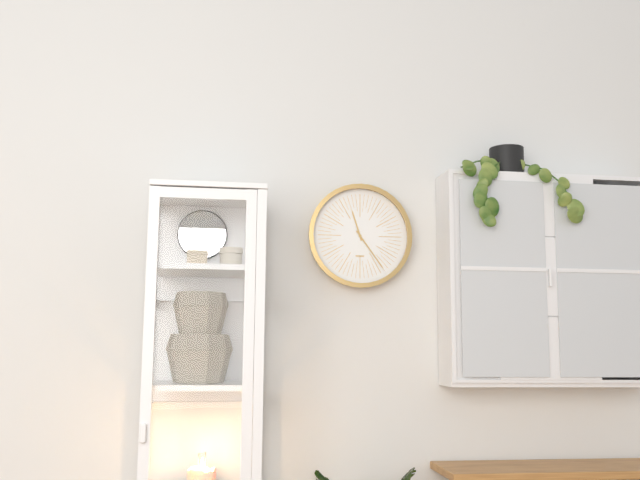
11:24
